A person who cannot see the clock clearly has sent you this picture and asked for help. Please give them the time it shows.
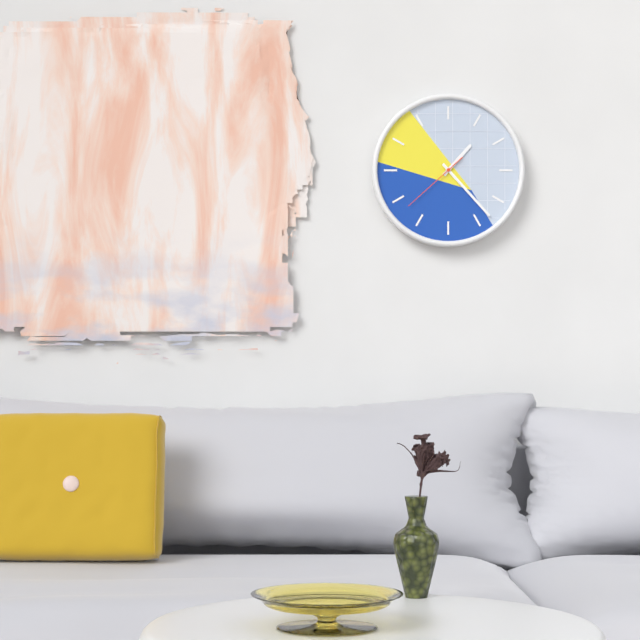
1:23:38
